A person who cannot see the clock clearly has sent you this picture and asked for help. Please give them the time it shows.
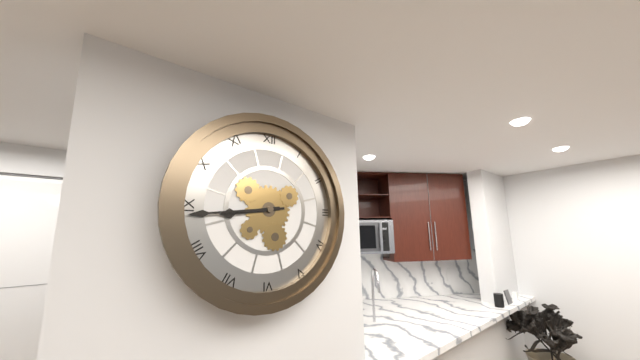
8:44
